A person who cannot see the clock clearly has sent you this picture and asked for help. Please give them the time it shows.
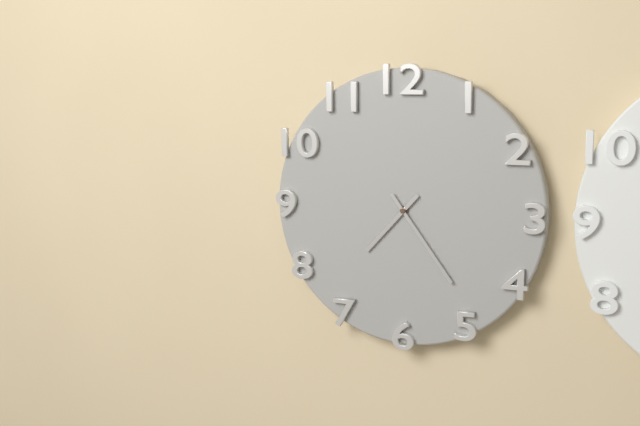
7:24
